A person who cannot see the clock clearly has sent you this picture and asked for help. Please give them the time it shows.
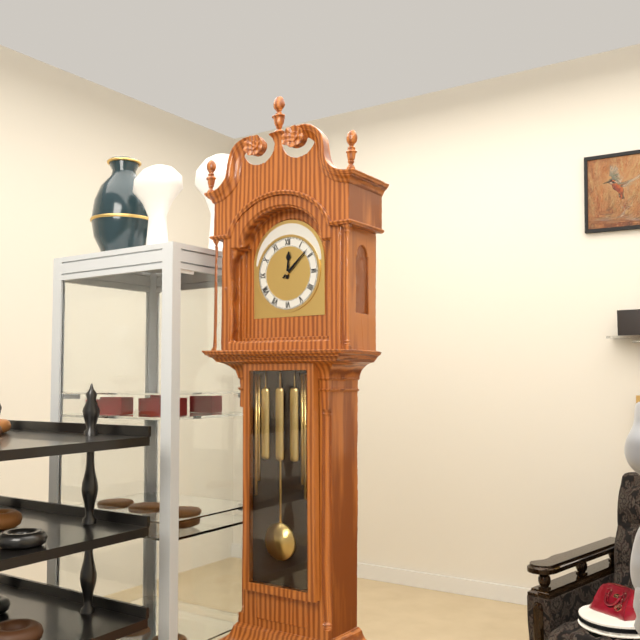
12:08
